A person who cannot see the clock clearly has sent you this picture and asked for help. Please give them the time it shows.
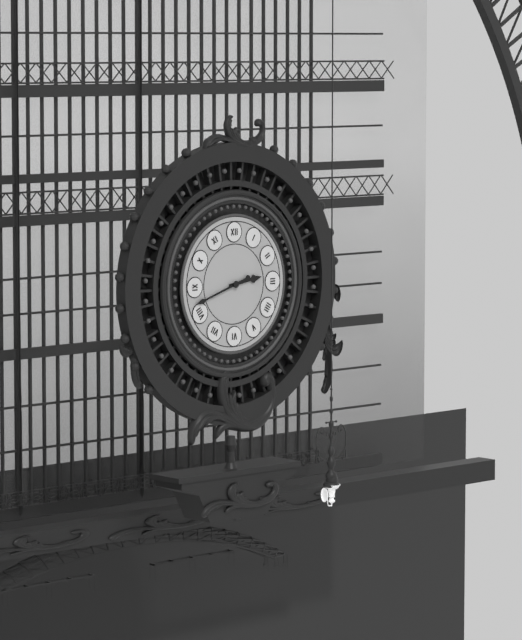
2:42
